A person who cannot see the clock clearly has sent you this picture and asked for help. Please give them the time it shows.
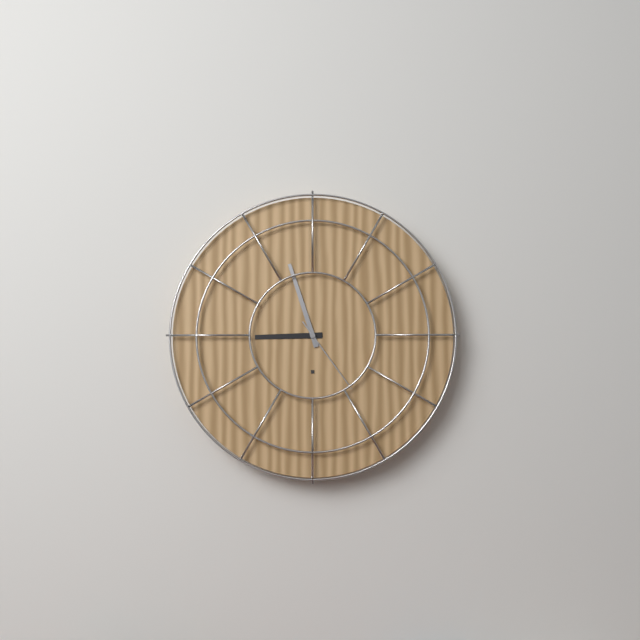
8:57:24
